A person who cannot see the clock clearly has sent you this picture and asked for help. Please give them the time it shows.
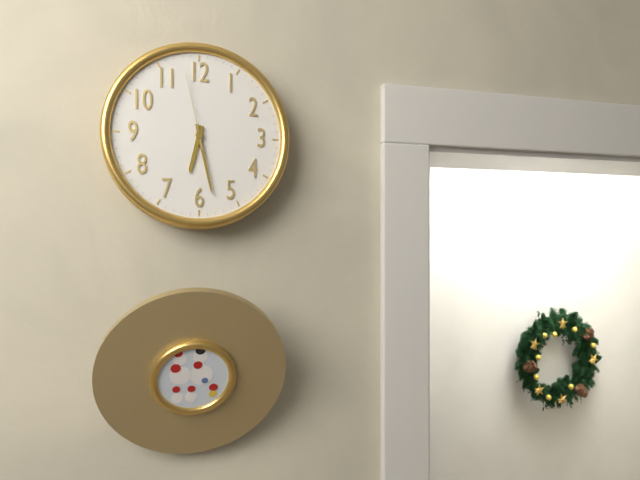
6:28:58
